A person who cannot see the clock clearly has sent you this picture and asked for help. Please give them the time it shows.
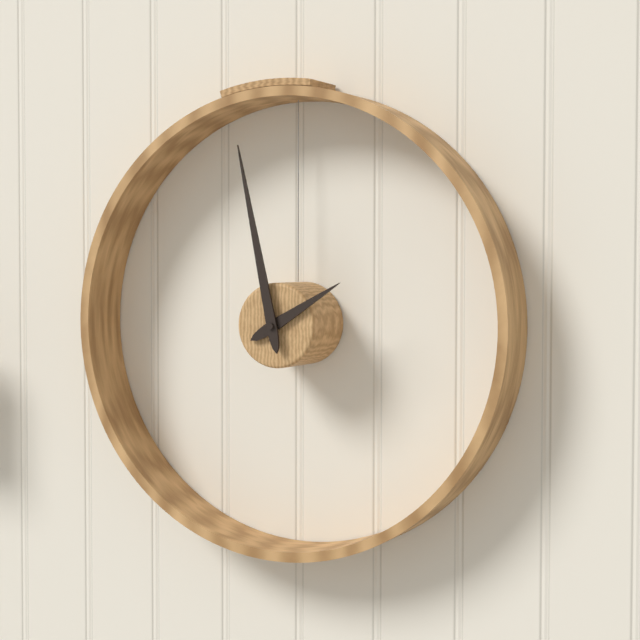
1:58
